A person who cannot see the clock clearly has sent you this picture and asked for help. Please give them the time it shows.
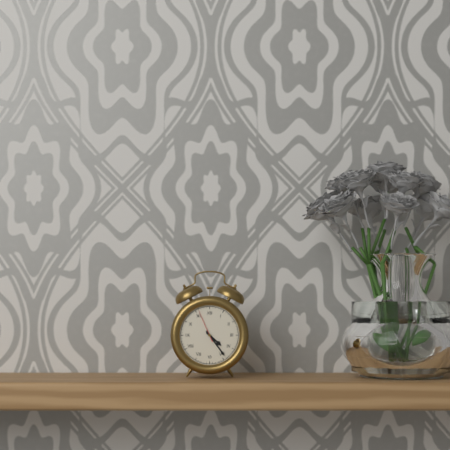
4:24
